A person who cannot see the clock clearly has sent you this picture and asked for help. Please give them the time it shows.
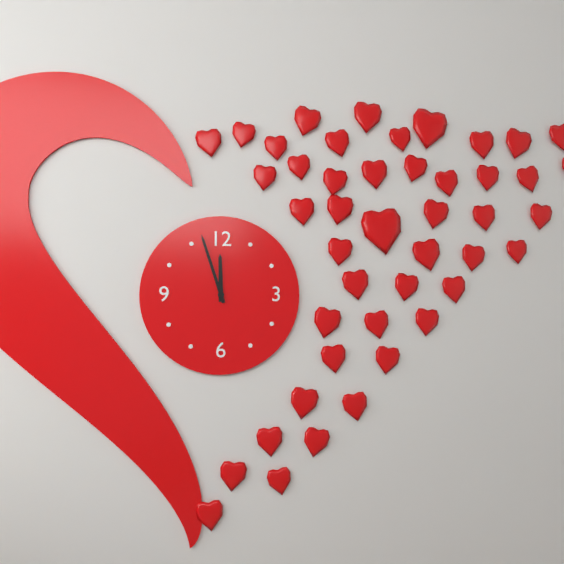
11:57
